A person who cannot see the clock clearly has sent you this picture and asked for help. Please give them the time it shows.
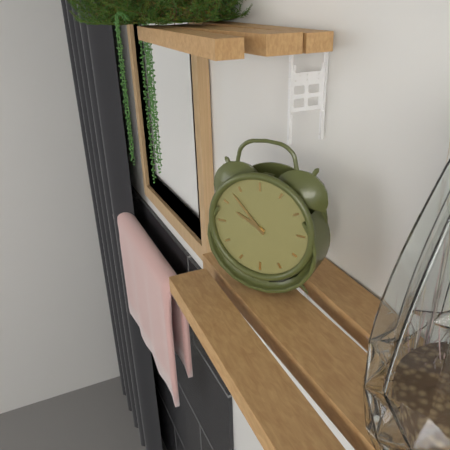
9:53
